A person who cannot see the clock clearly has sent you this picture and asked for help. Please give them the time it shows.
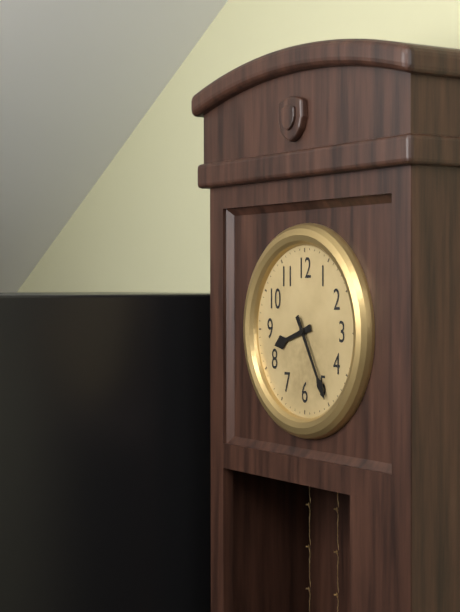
8:25
